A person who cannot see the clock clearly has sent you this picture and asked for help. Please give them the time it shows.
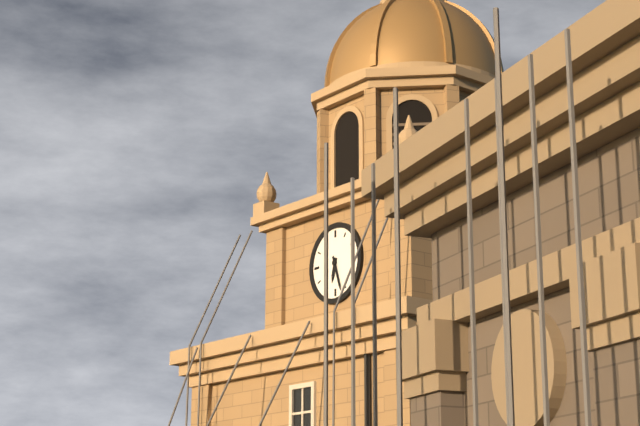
6:27
